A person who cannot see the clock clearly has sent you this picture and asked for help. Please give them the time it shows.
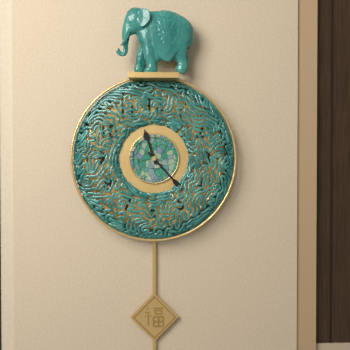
11:23
